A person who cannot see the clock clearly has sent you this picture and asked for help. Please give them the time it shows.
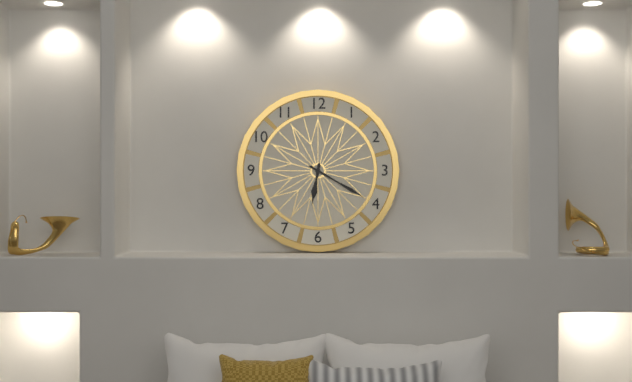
6:20
